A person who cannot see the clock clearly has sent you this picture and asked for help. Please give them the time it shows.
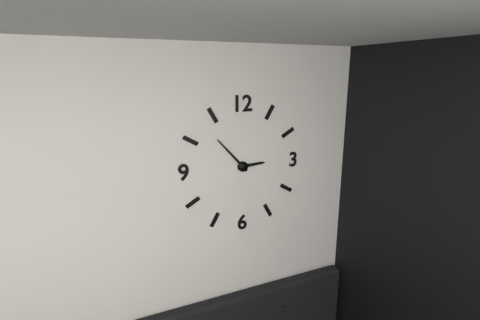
2:53
